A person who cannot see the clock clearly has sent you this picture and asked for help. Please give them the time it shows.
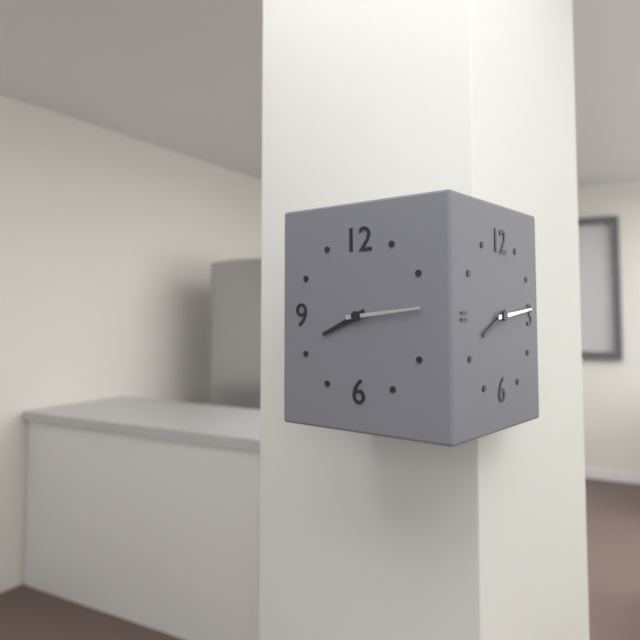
8:14
